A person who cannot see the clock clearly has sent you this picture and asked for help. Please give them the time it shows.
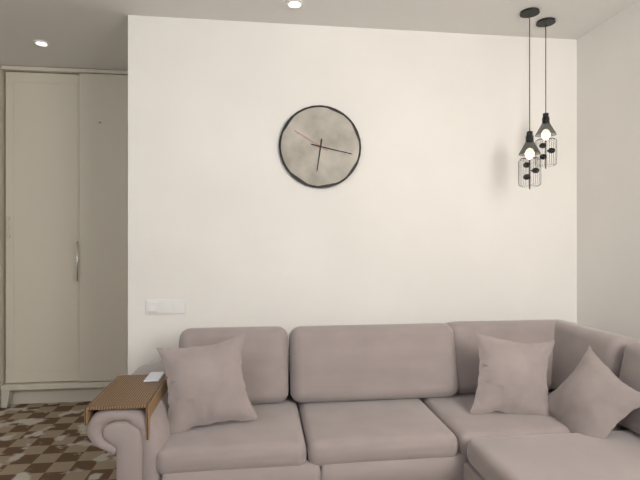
6:17
